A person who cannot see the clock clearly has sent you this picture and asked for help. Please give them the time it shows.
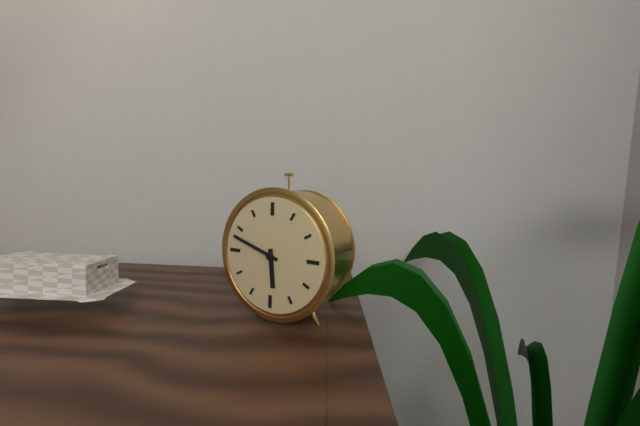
5:48
